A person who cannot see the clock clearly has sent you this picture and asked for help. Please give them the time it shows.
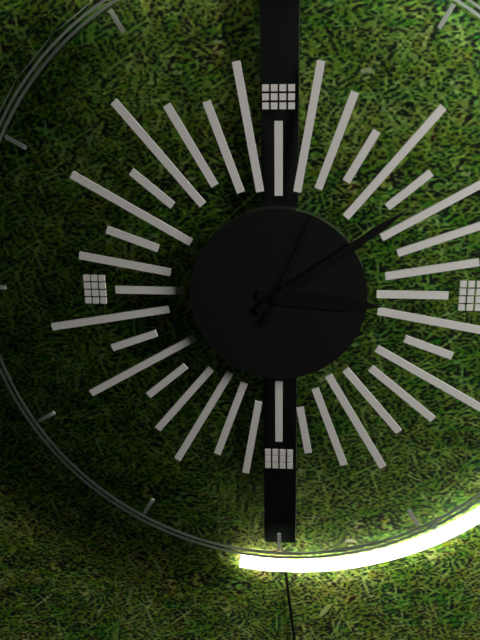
3:09:04
